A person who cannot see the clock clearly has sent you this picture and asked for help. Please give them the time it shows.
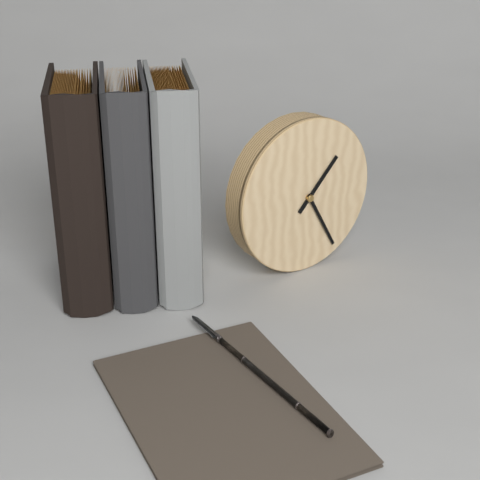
1:25
